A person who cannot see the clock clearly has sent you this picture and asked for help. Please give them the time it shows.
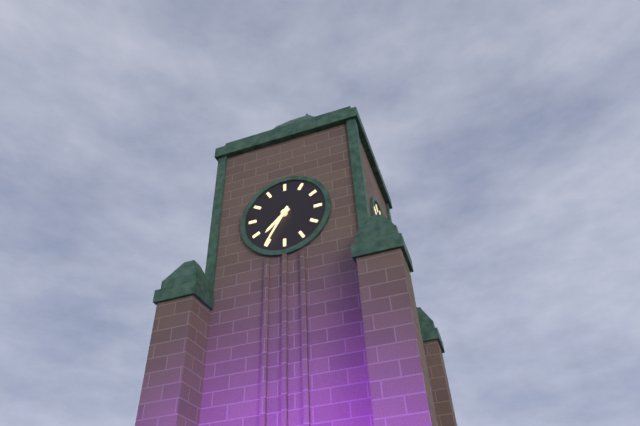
7:35
